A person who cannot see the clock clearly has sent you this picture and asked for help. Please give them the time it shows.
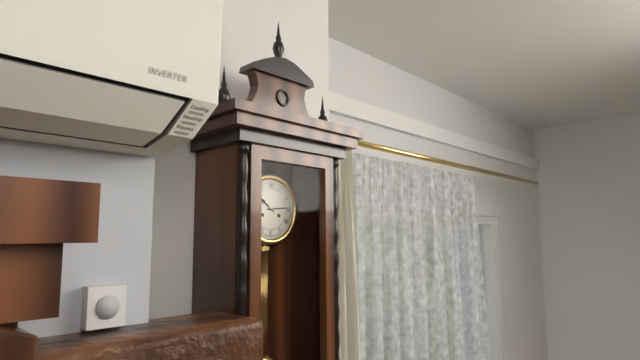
10:14
